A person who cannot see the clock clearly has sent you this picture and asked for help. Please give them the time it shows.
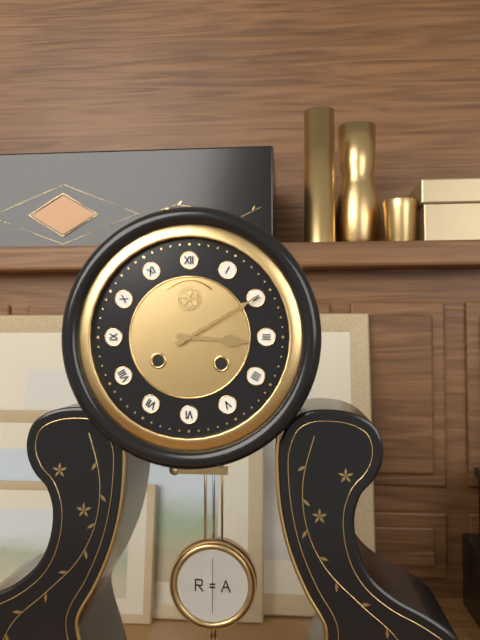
3:10
